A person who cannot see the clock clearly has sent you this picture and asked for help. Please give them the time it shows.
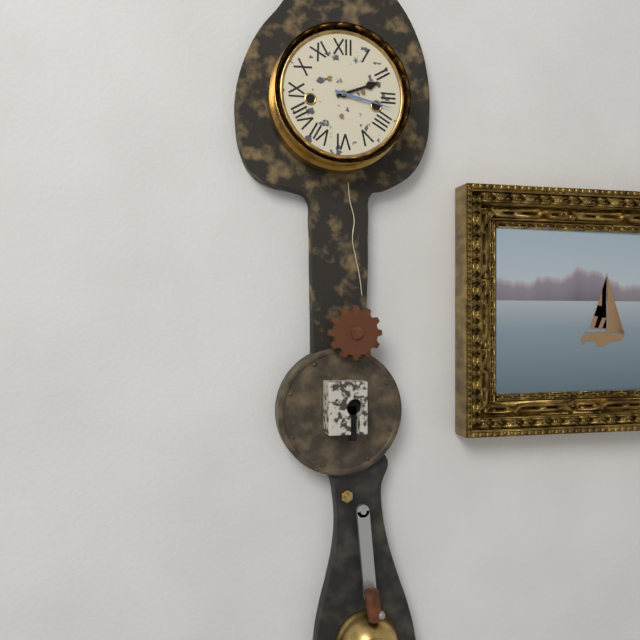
2:17
